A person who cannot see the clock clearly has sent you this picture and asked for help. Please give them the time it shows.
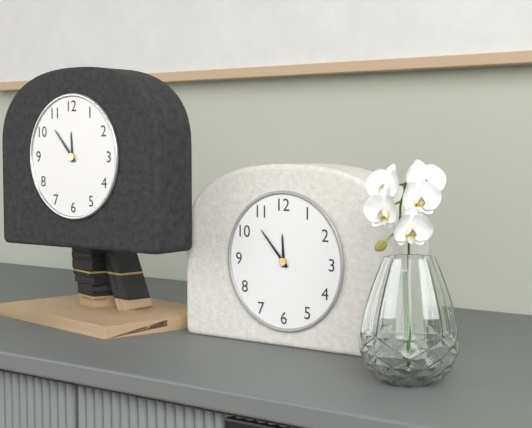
11:53
